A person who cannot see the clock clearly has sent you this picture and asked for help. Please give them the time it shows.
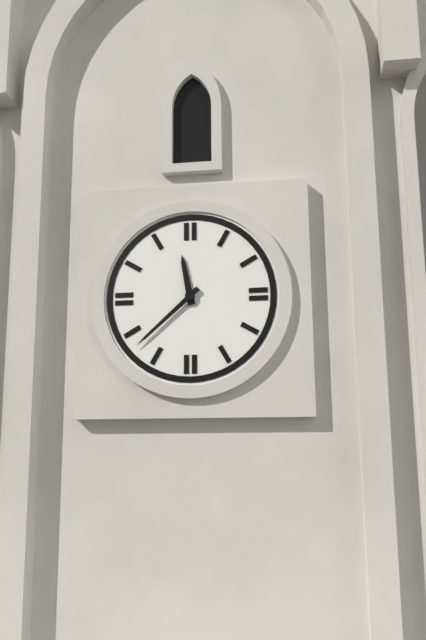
11:38
